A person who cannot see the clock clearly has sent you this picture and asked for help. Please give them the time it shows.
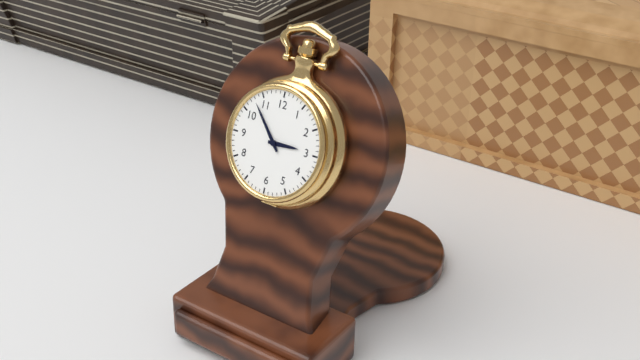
2:53
